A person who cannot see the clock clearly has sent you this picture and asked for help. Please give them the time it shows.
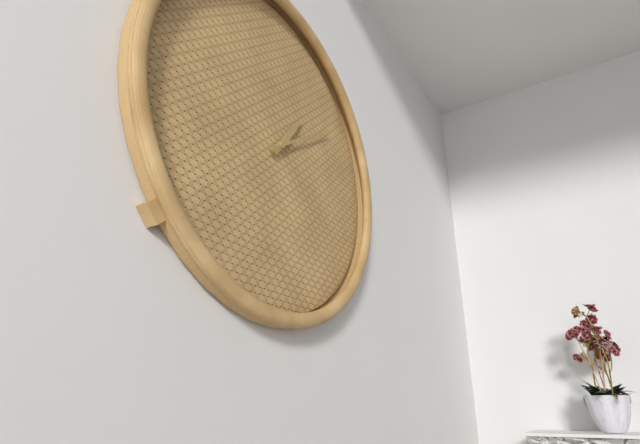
1:09
